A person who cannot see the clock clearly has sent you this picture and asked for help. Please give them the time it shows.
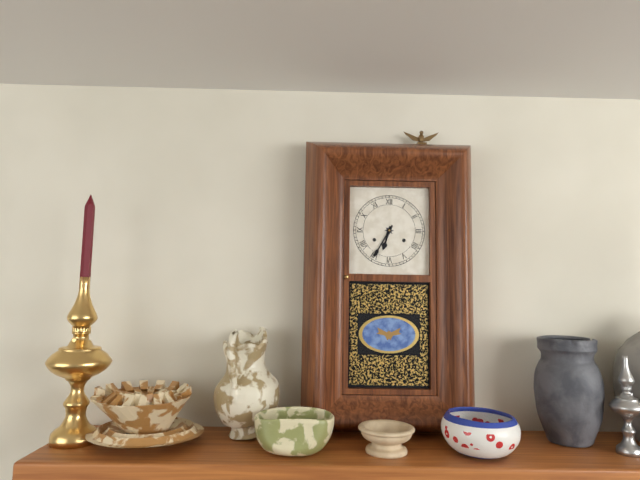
6:35
